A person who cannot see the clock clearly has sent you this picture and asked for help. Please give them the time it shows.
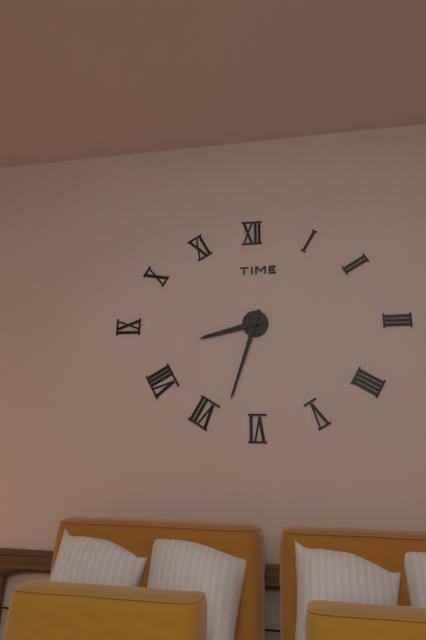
8:33
